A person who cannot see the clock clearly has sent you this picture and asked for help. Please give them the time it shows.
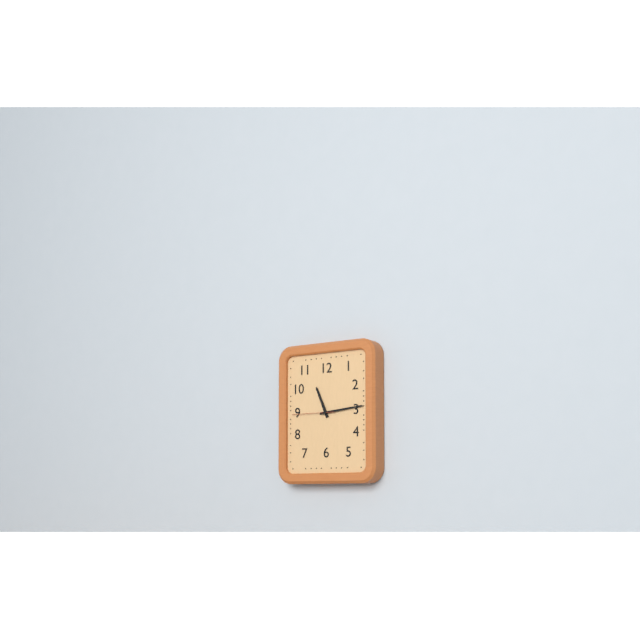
11:14
